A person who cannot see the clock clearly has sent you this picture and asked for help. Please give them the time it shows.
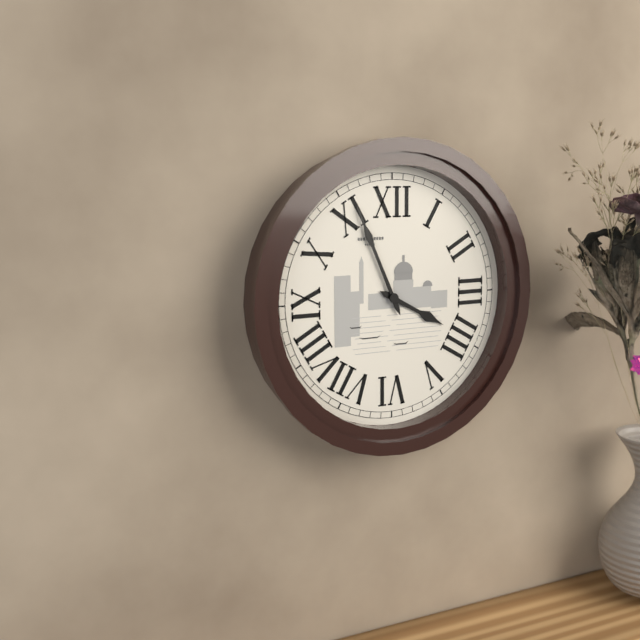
3:56
